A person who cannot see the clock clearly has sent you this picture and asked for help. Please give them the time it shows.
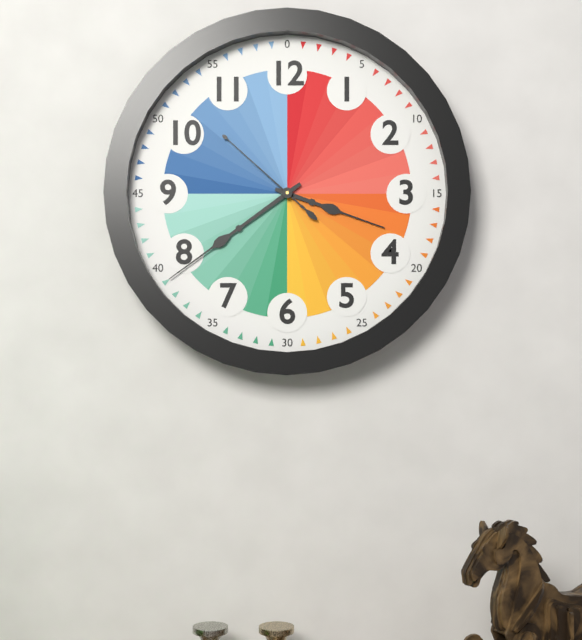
3:39:52
